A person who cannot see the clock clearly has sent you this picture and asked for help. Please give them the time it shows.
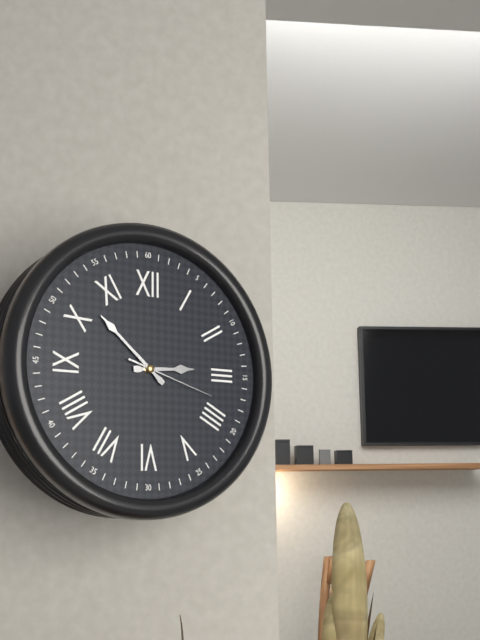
2:52:18
